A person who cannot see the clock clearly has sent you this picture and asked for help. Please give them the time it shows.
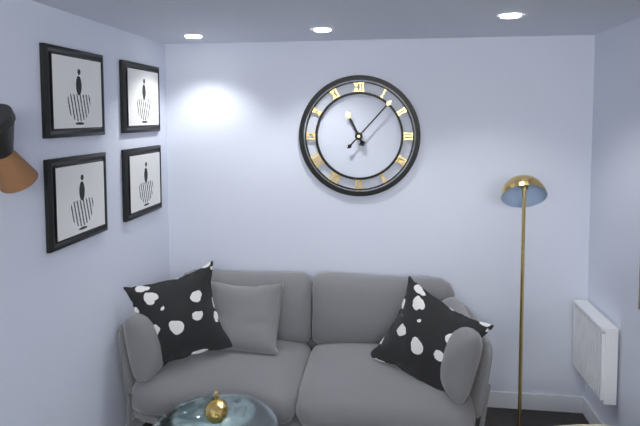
11:07
